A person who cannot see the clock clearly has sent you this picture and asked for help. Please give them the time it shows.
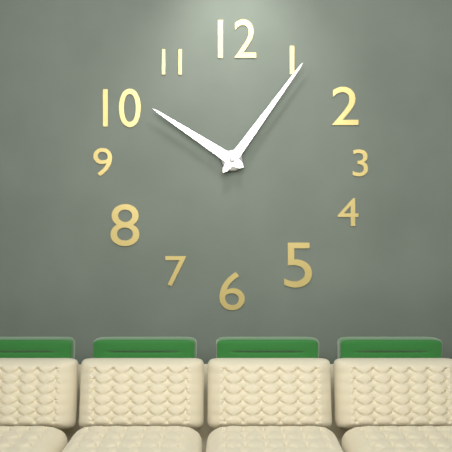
10:06
